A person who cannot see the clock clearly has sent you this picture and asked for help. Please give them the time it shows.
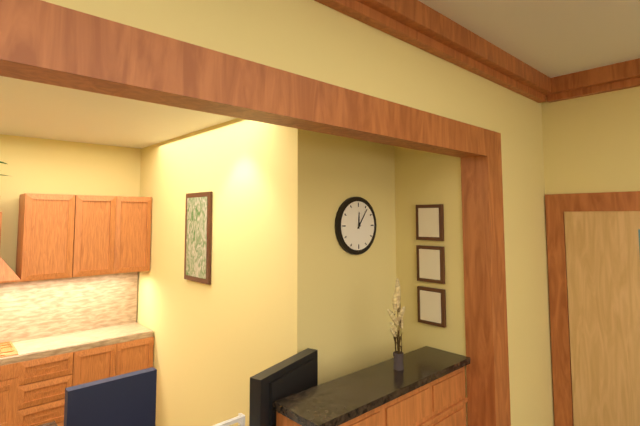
12:06
